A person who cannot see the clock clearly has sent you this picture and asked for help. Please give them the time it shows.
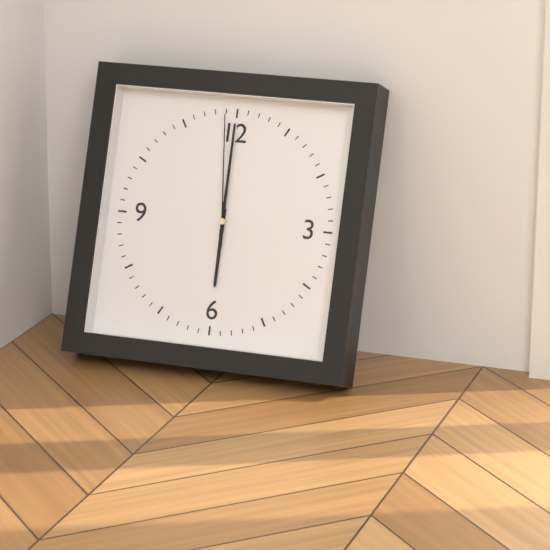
6:00:59
